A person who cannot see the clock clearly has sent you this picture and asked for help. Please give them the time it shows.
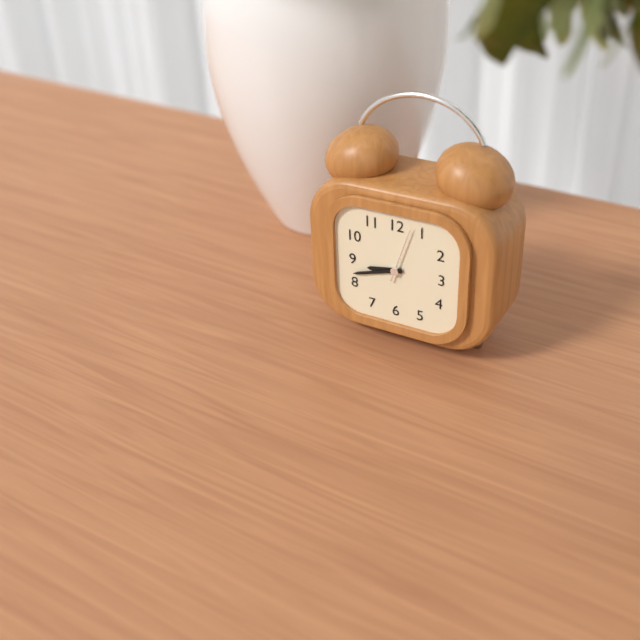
8:42:03
